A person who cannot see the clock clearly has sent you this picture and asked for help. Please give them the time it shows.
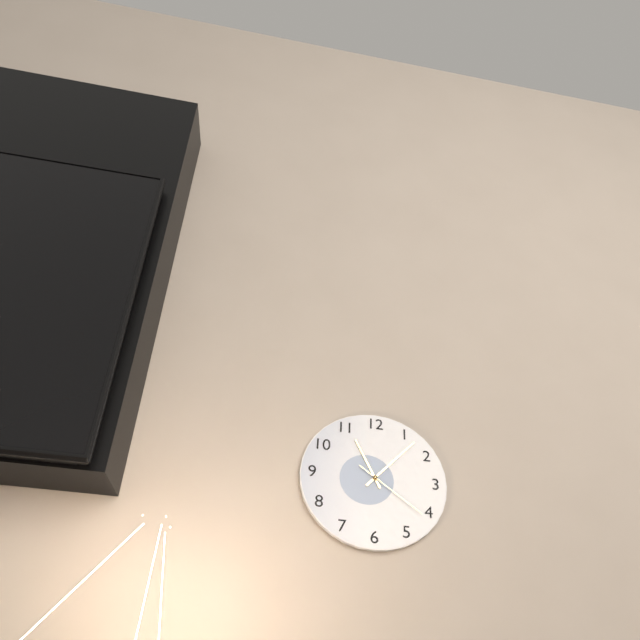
11:07:21
